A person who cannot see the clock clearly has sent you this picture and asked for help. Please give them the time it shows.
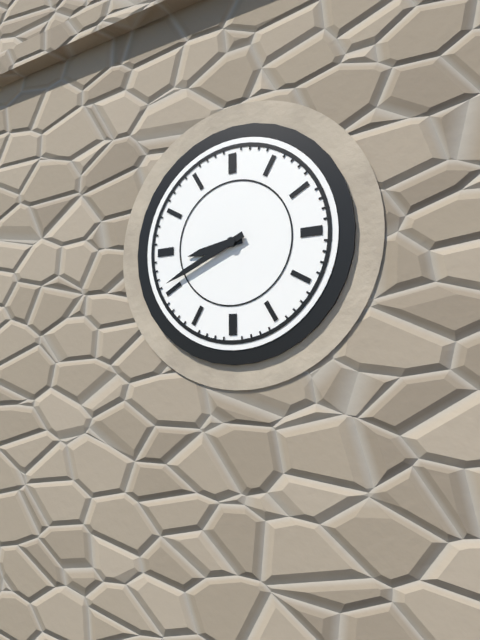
8:41
